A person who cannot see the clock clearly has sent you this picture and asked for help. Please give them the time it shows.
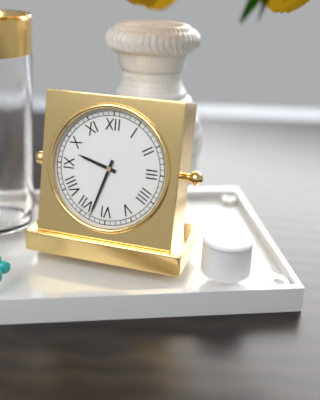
9:33
